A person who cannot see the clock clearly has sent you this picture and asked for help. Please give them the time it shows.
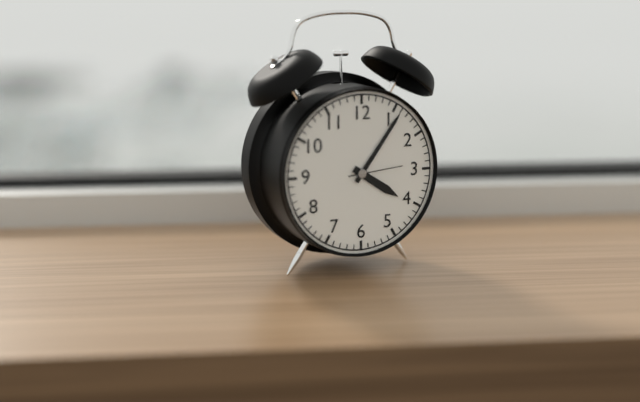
4:06:14
